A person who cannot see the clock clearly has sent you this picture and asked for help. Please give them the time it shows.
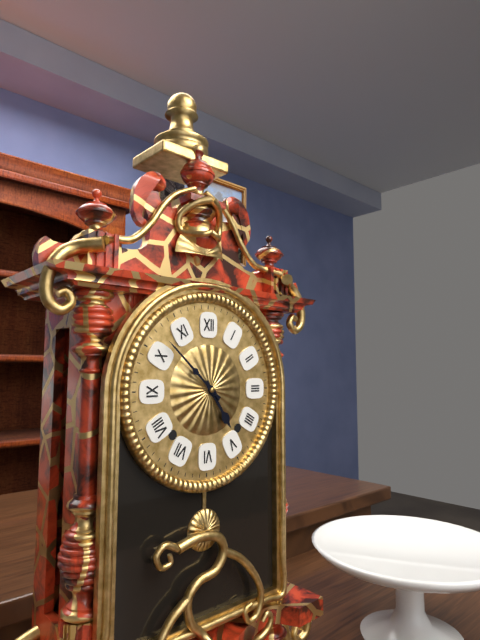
4:52
